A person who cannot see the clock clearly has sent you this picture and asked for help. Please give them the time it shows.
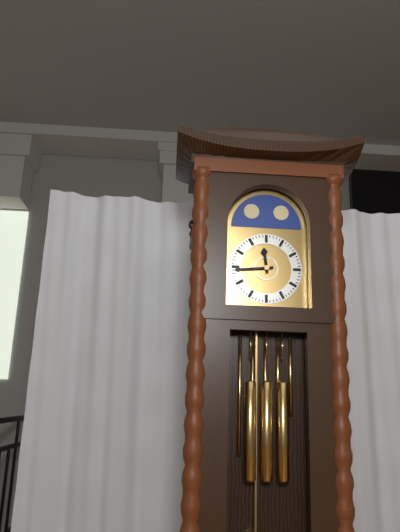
11:44
